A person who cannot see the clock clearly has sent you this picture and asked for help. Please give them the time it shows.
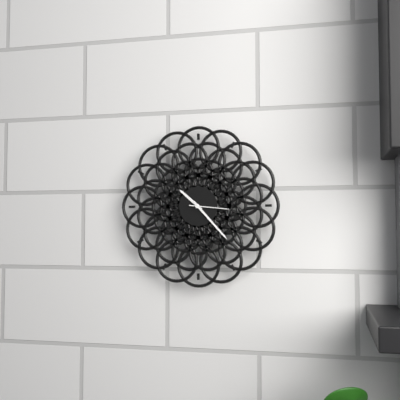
10:23
